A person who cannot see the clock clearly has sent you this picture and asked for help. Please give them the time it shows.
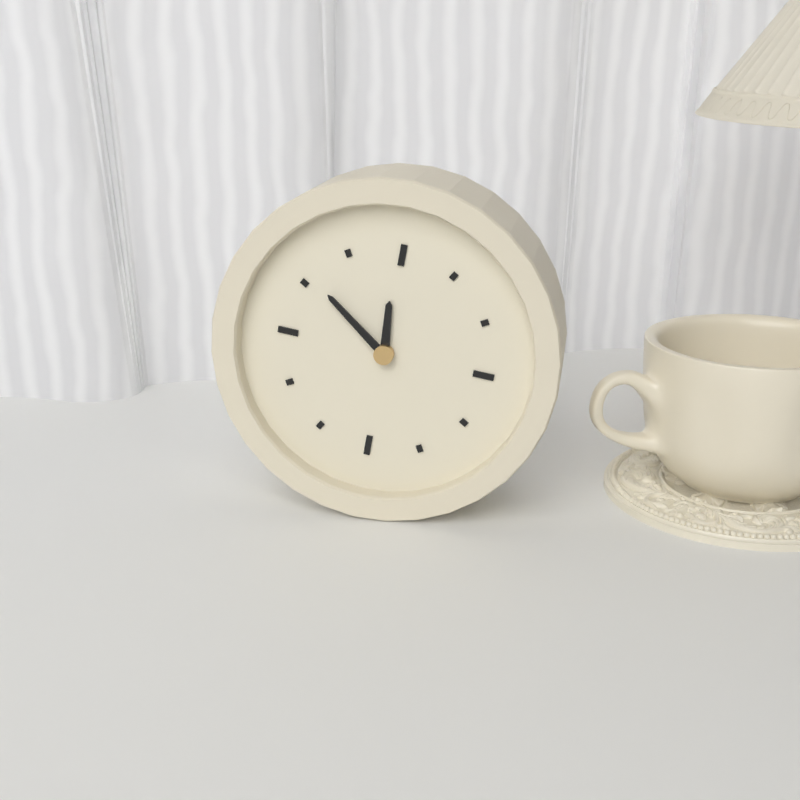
11:51
